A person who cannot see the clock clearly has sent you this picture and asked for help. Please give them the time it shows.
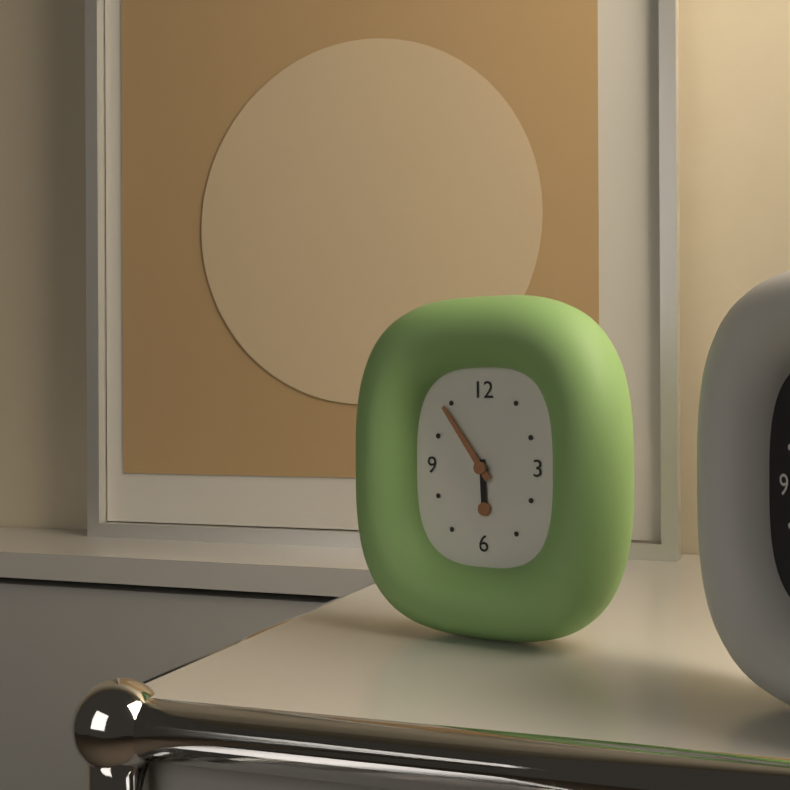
5:54
